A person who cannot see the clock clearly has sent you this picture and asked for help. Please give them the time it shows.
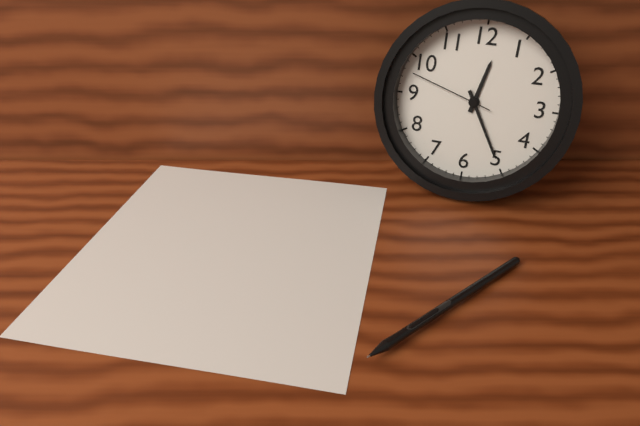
12:25:48
